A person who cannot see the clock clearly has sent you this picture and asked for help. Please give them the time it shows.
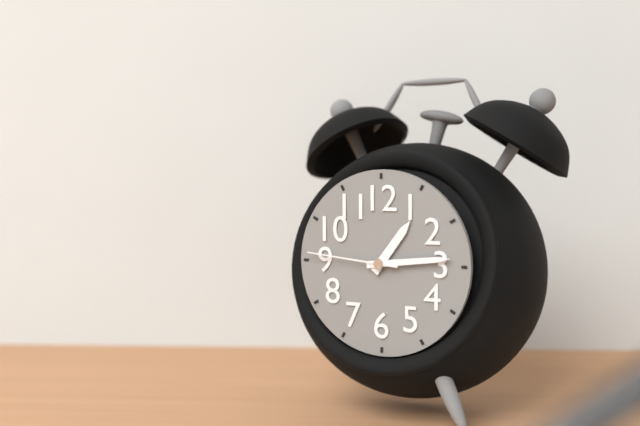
1:14:46
